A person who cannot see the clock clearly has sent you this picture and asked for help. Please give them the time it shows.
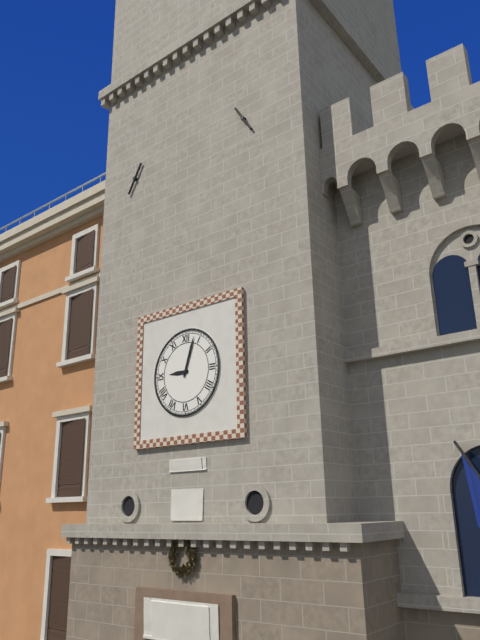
9:03
